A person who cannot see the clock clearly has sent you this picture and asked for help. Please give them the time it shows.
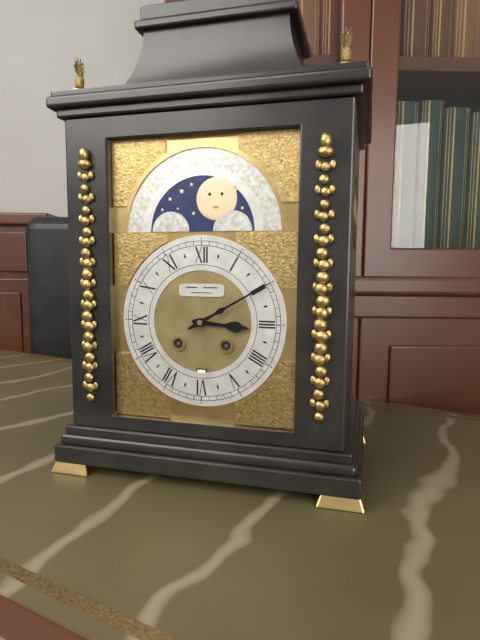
3:10
